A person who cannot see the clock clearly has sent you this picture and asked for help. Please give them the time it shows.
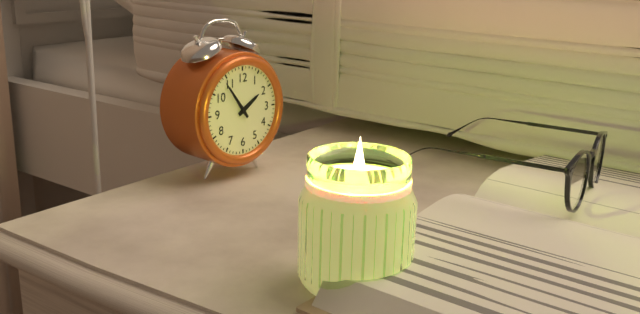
1:54
